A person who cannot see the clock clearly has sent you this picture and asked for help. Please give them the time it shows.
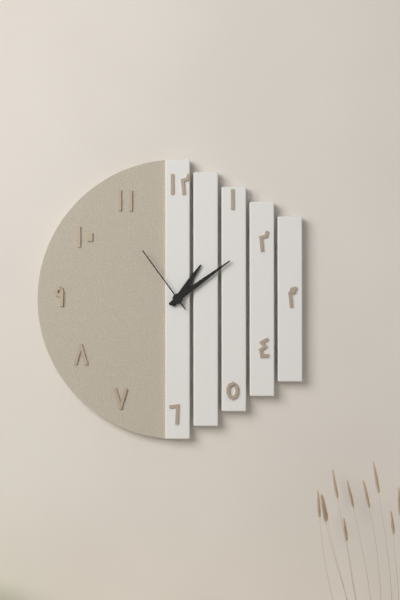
1:09:54
